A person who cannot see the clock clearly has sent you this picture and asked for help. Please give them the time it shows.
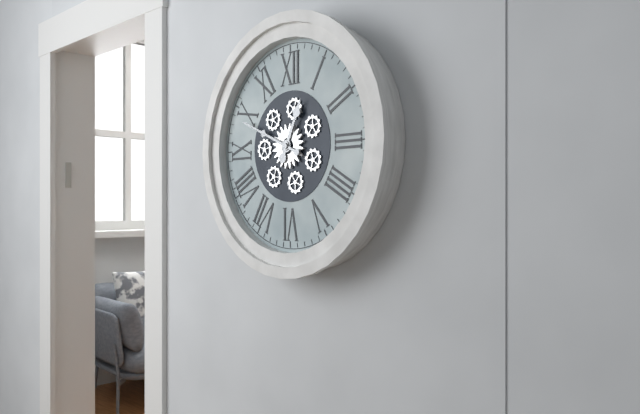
12:49
